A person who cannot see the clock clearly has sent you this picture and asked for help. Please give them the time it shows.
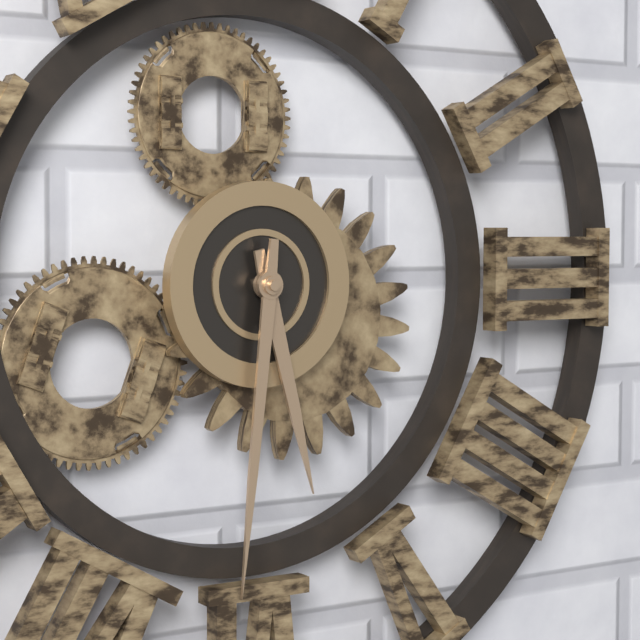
5:31
